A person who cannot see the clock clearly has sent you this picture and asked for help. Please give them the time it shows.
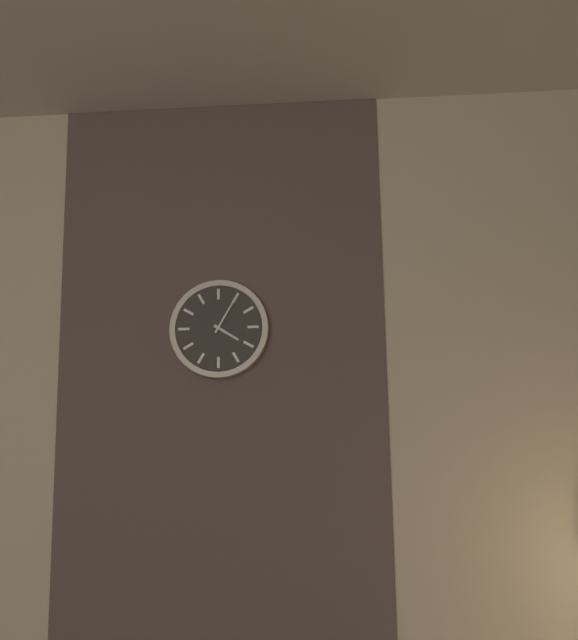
4:05
